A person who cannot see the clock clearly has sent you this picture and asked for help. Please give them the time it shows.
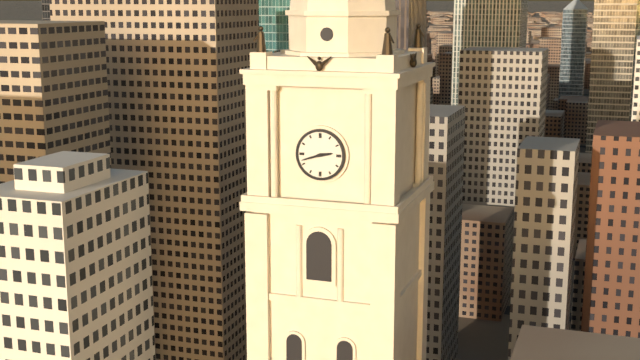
2:42
